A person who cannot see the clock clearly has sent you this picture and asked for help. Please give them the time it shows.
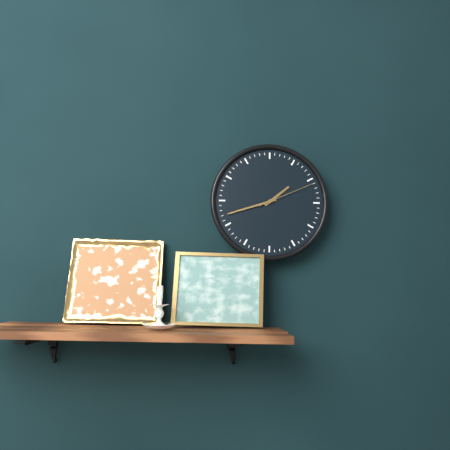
1:42:11
